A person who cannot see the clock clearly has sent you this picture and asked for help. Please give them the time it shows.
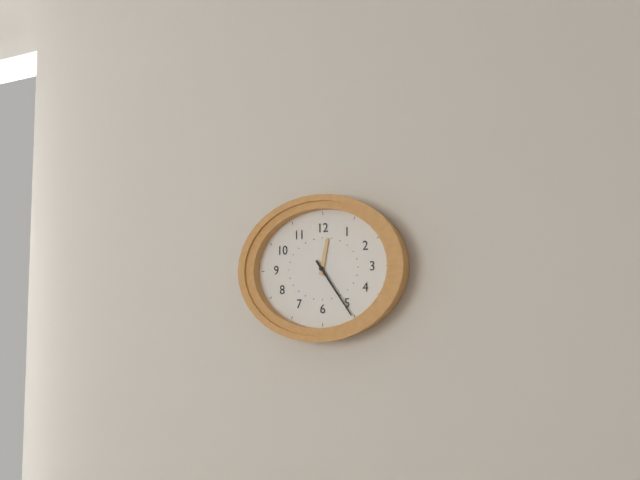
12:24
